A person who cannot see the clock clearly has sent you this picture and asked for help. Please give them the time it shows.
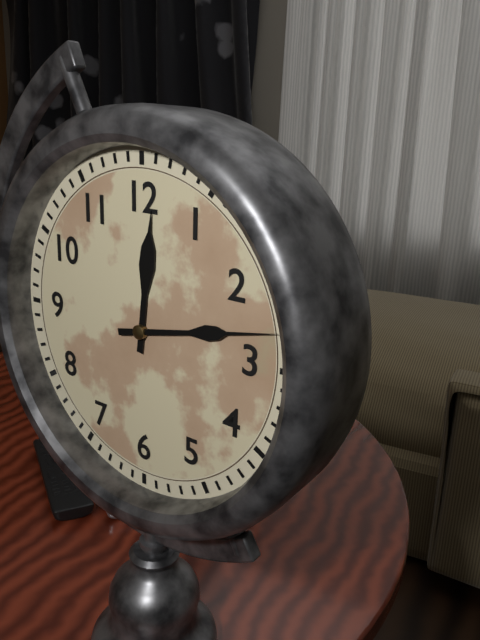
12:13
